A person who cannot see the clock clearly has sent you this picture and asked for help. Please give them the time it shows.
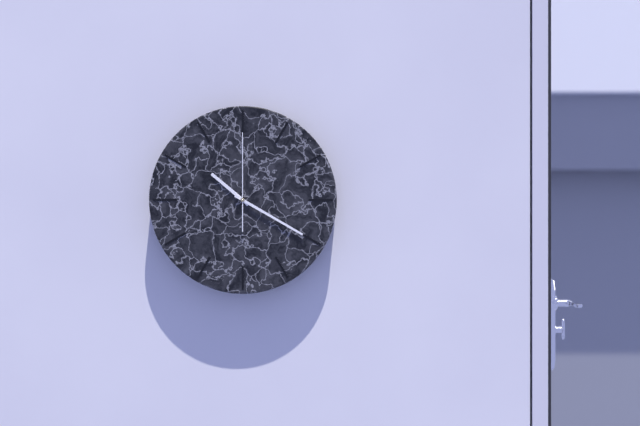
10:20:00
